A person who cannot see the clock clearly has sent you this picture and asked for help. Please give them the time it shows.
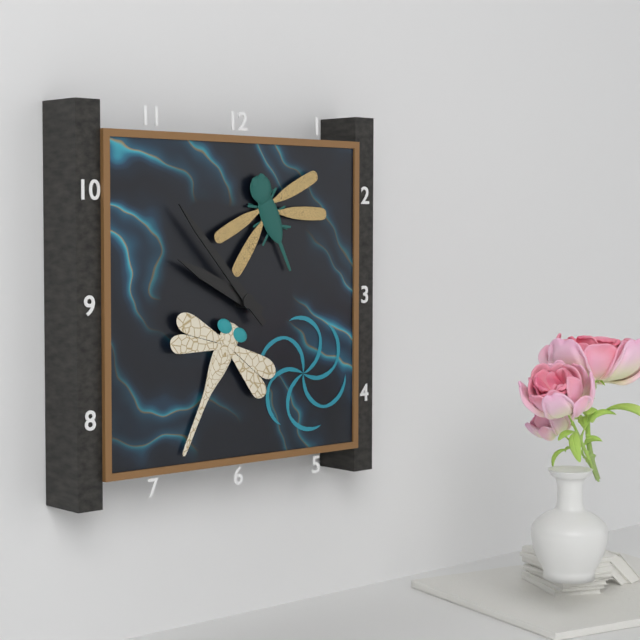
9:53
